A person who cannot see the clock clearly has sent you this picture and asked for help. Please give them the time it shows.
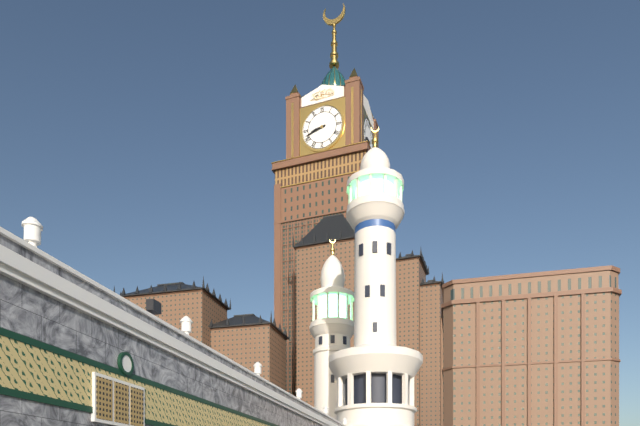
8:42
